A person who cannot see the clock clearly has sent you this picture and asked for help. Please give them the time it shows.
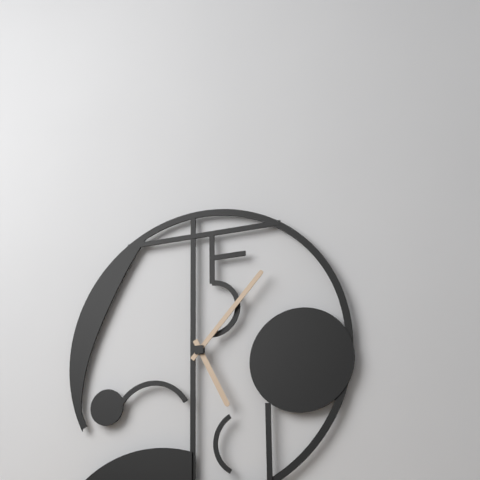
5:07
